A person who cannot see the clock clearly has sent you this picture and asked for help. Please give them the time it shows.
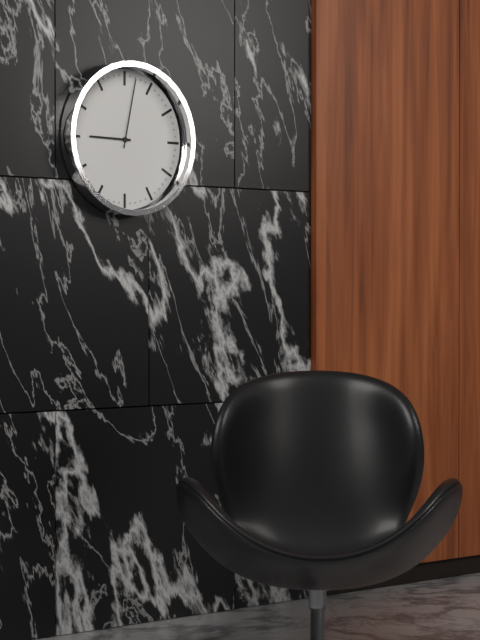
9:02
